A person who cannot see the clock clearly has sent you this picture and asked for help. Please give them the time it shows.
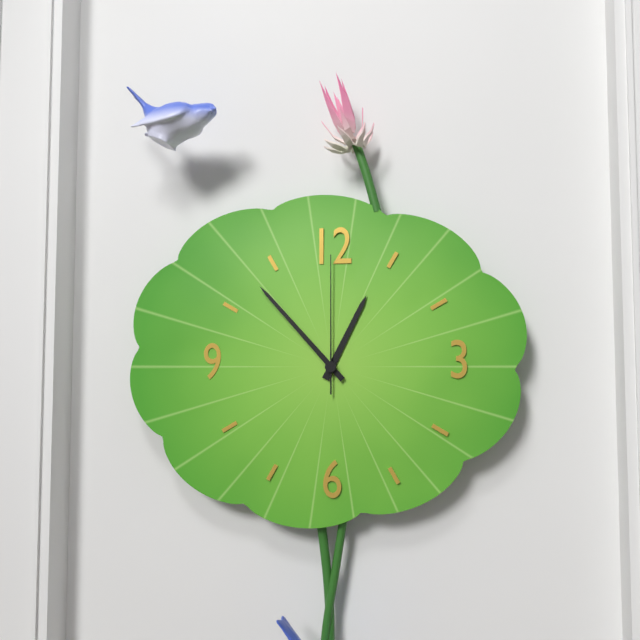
12:53:00
